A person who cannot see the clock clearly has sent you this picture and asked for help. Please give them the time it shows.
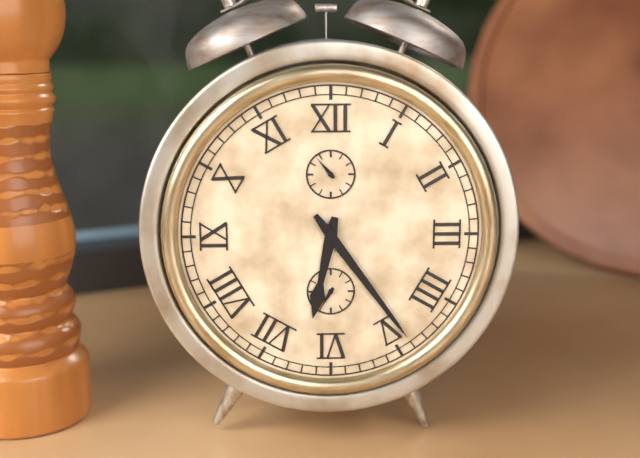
6:24
